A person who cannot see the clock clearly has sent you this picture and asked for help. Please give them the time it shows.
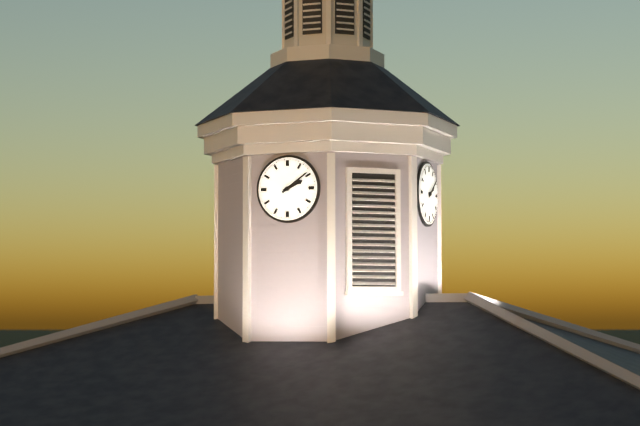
2:09
